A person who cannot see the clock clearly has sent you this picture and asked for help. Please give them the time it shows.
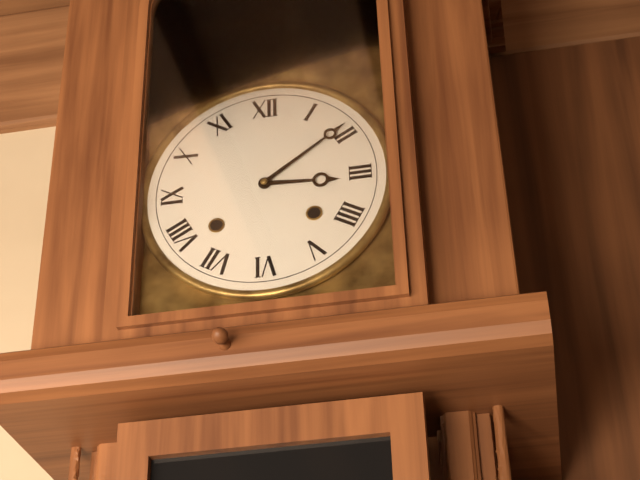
3:09
